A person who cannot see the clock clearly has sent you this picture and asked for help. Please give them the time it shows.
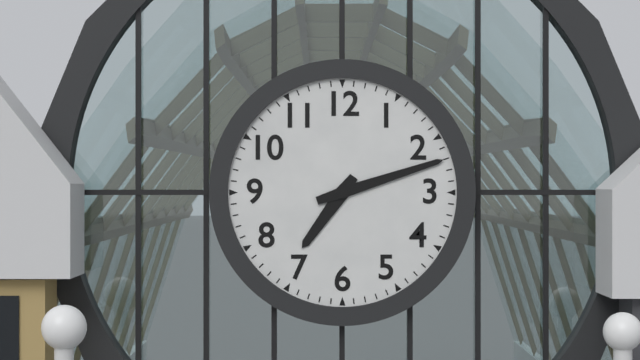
7:12
